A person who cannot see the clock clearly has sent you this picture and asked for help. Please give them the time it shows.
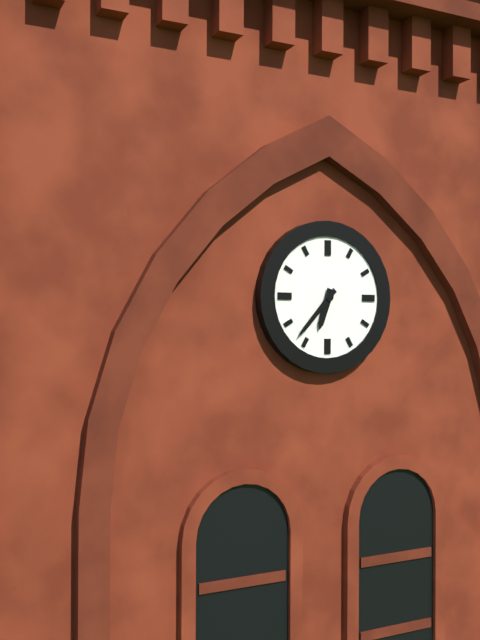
6:37
